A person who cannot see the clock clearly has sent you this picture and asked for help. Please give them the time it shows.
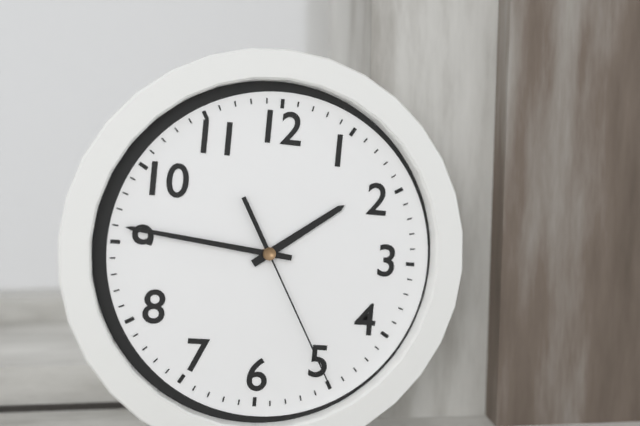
1:46:25
